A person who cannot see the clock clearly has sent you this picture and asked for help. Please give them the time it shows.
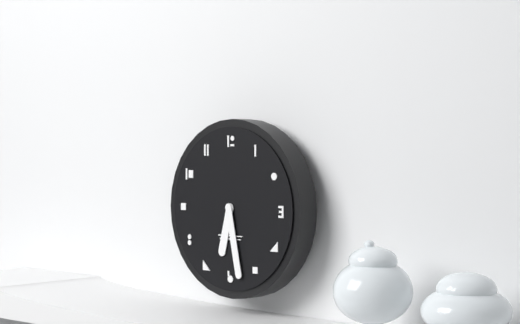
6:28
